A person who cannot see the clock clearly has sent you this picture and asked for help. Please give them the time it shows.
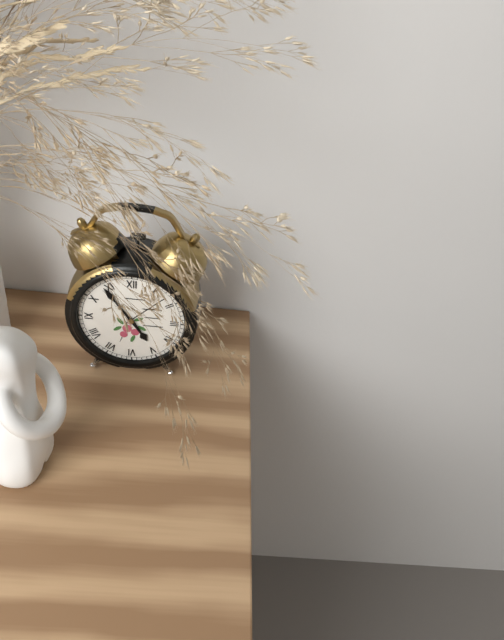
4:54
